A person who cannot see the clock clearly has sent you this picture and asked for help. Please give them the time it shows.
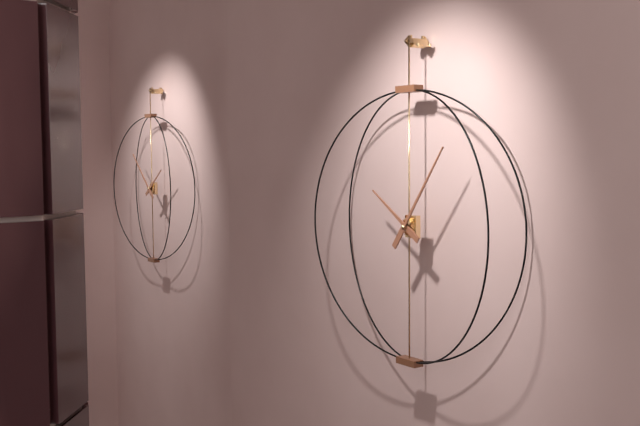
10:06
